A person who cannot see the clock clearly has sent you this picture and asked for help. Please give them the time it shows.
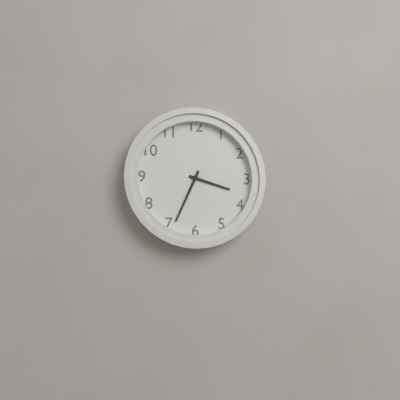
3:34
